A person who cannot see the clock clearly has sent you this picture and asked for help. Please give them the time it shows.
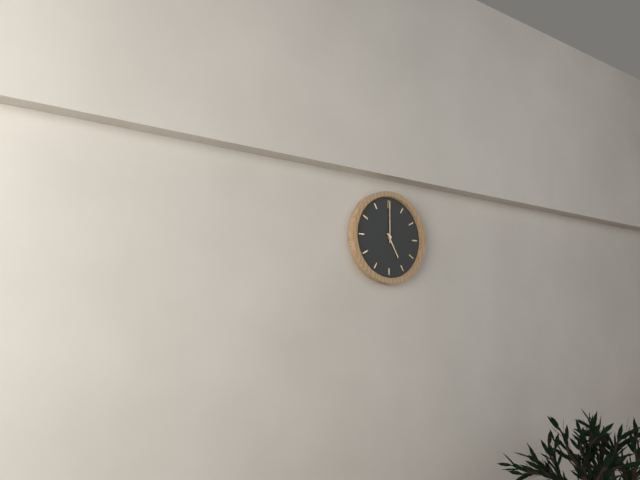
5:00
